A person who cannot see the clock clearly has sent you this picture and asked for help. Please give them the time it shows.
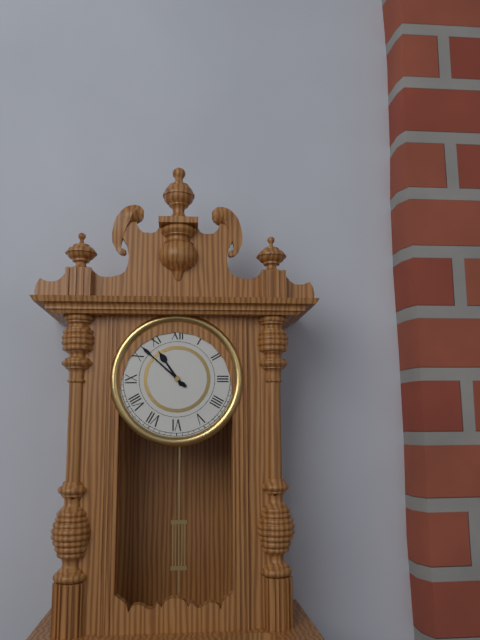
10:52
